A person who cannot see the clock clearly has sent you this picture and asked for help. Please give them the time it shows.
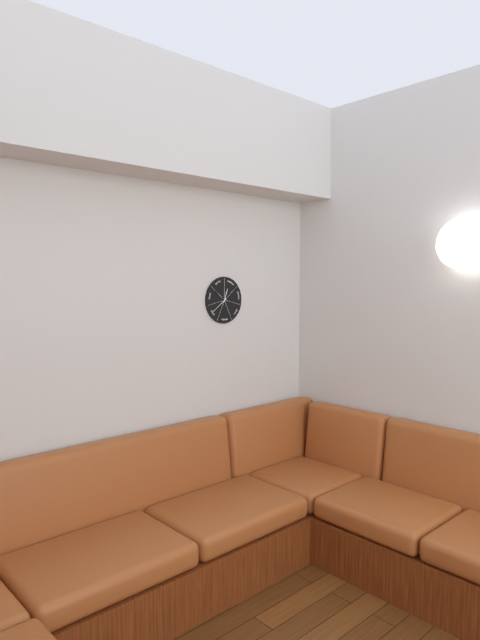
12:39
